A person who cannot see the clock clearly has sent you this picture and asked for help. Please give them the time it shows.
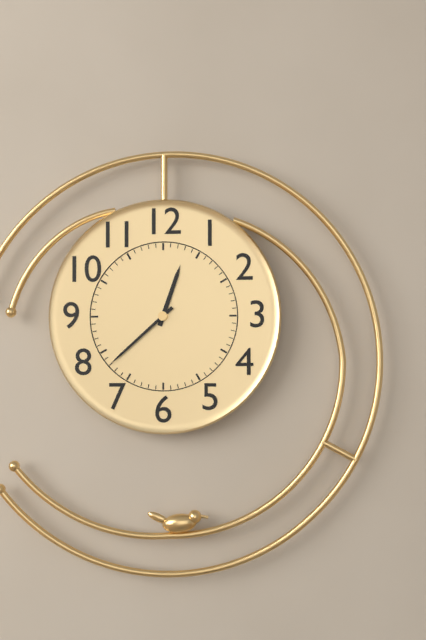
12:38
